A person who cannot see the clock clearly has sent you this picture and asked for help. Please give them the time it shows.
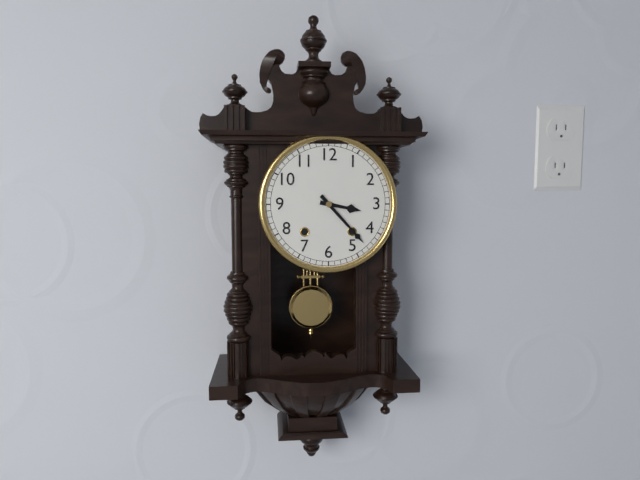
3:23
